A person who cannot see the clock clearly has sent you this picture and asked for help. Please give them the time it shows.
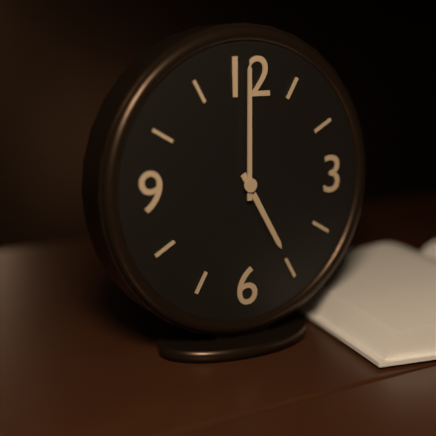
5:00
